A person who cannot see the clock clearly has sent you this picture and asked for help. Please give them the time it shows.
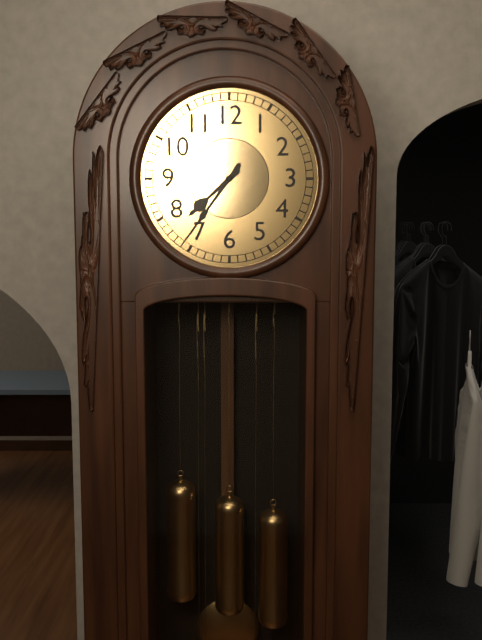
7:36
